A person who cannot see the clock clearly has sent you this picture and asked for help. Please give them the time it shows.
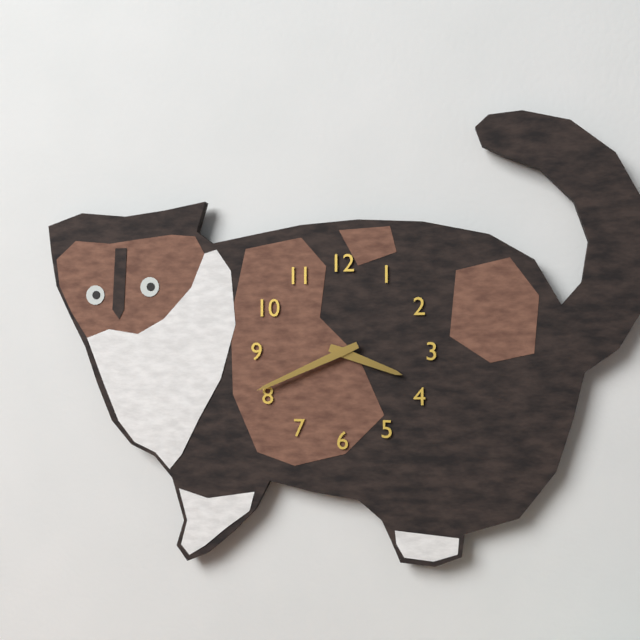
3:41
